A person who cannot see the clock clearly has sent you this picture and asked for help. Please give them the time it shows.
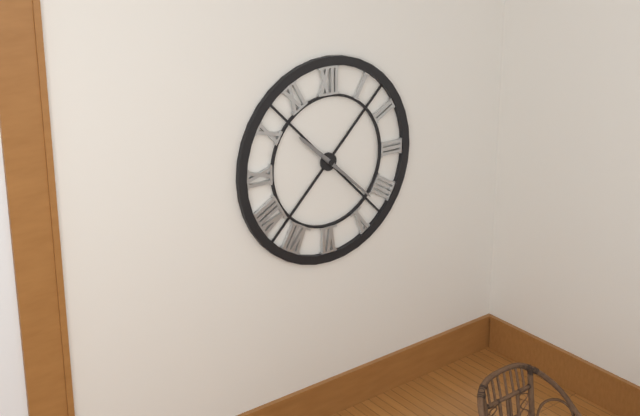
10:22
